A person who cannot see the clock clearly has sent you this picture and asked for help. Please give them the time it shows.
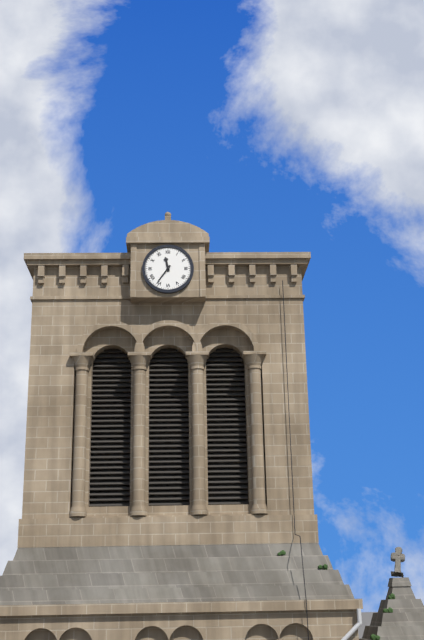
11:36
